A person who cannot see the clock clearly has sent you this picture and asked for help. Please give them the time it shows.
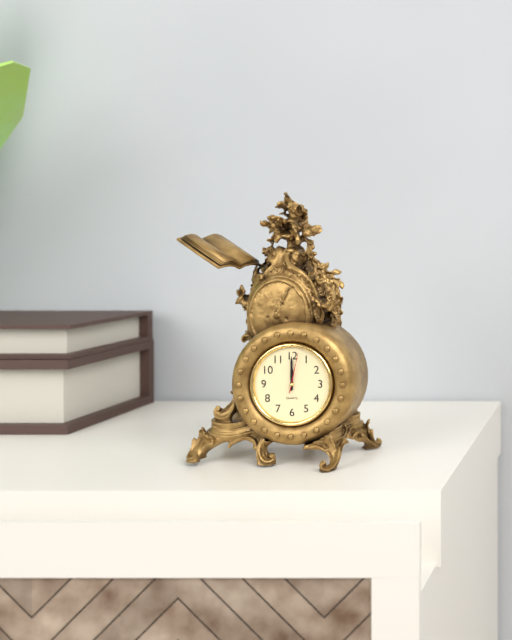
12:00
